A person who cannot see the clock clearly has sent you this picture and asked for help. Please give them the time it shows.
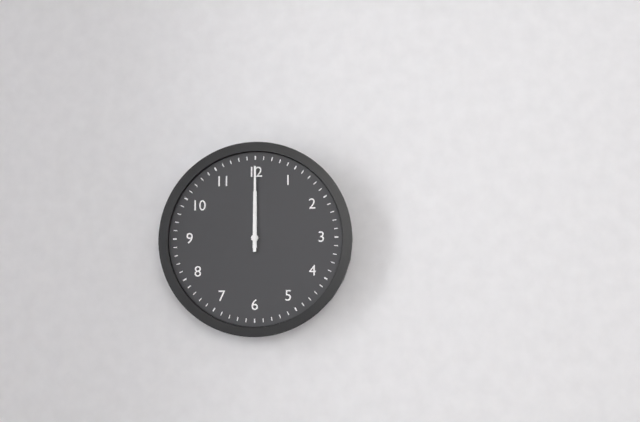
12:00
